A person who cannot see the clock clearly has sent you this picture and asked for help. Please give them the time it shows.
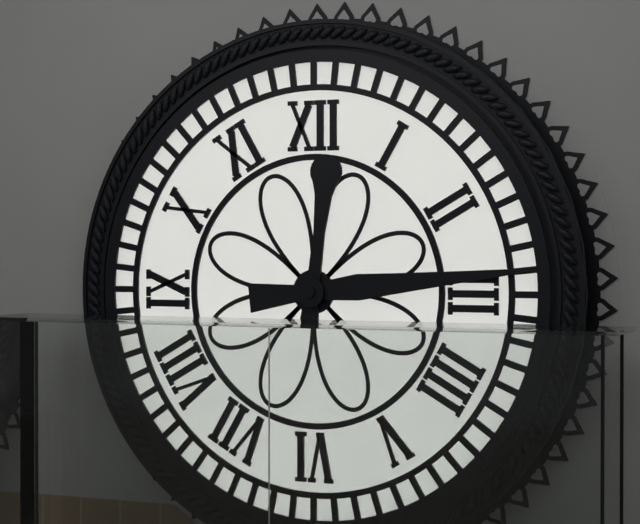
12:14
